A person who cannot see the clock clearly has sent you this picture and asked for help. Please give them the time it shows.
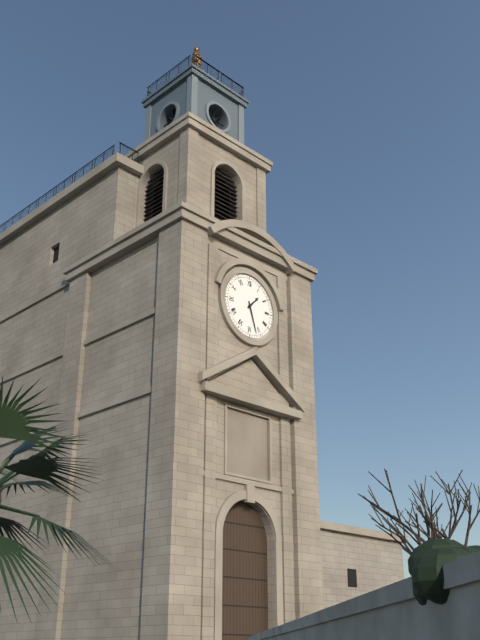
1:27
